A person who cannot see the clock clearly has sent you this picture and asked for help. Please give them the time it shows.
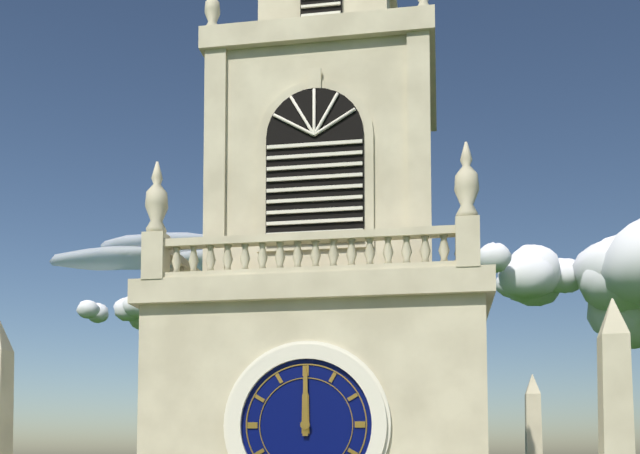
12:00
